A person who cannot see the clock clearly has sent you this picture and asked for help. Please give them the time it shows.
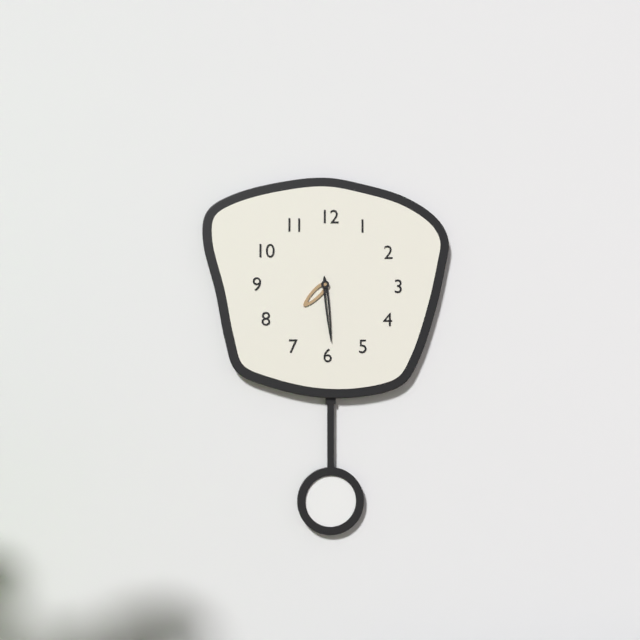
7:29
